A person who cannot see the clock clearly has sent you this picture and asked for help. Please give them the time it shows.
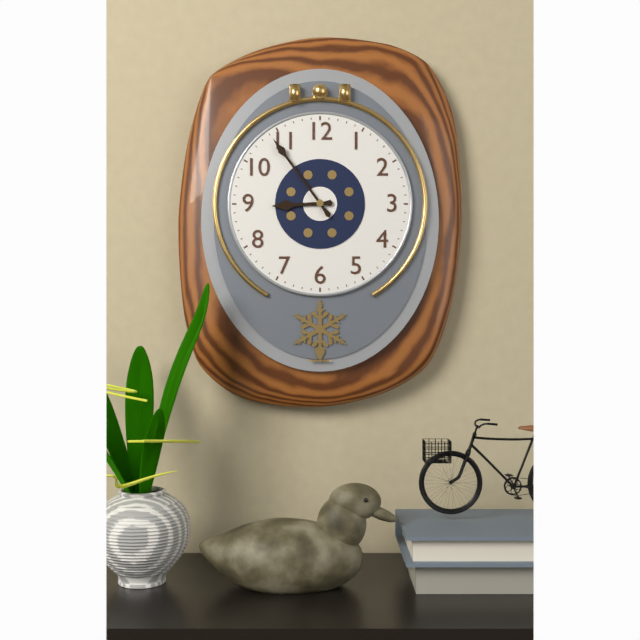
8:54
